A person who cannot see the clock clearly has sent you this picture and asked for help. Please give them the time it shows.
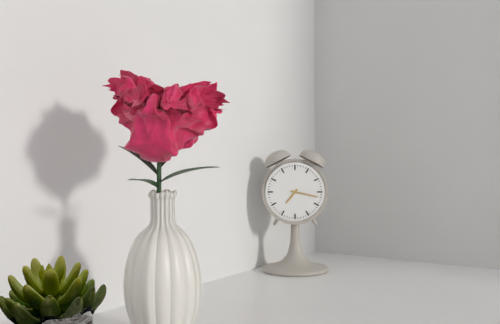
7:17
